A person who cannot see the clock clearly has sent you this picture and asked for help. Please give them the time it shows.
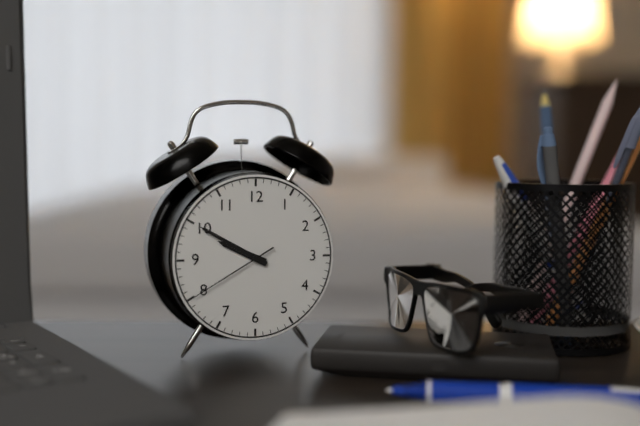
9:50:40
